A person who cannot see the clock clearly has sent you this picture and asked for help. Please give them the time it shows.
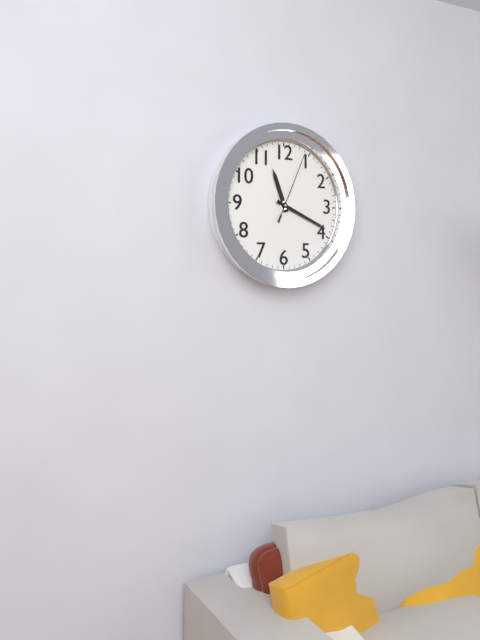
11:19:04
